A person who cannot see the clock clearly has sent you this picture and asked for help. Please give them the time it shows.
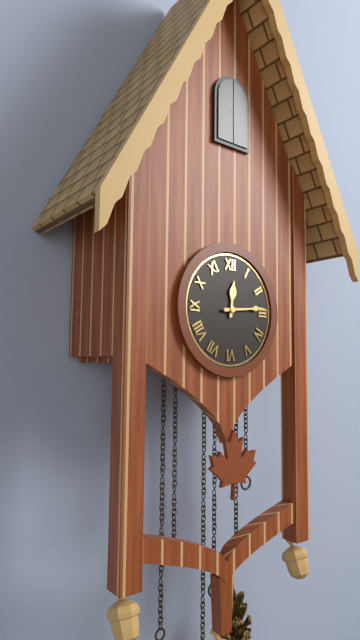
12:14
